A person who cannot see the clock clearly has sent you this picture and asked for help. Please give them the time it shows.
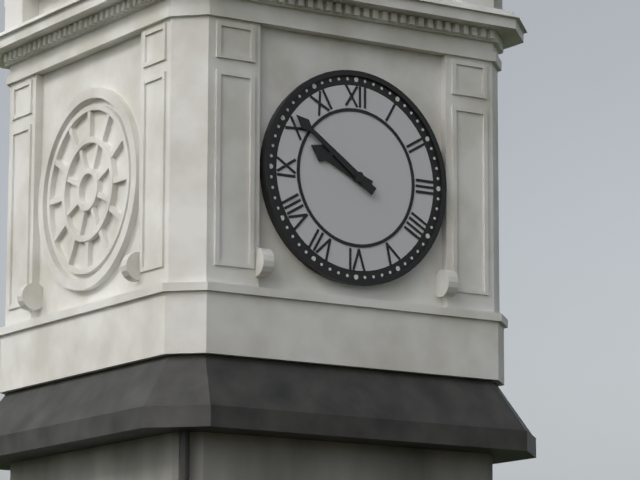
9:51
